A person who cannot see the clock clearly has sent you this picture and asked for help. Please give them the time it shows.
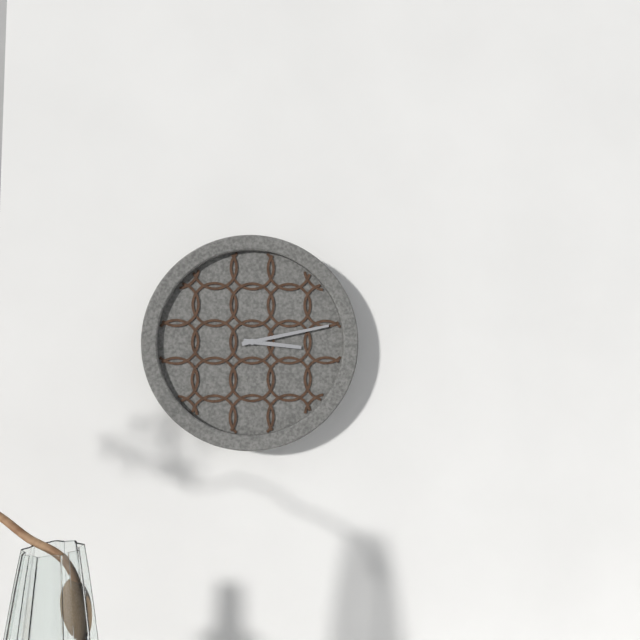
3:13
